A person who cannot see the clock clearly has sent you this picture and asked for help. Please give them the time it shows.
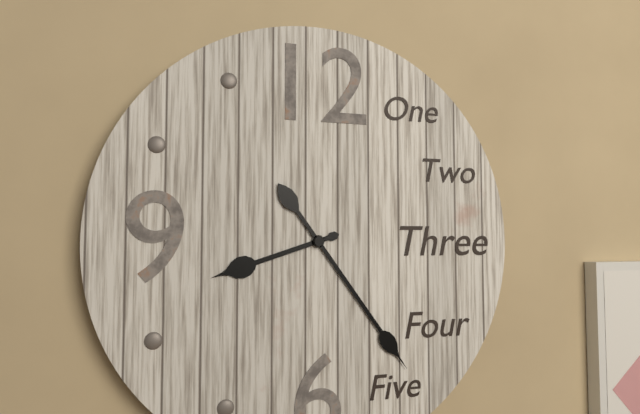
8:24
